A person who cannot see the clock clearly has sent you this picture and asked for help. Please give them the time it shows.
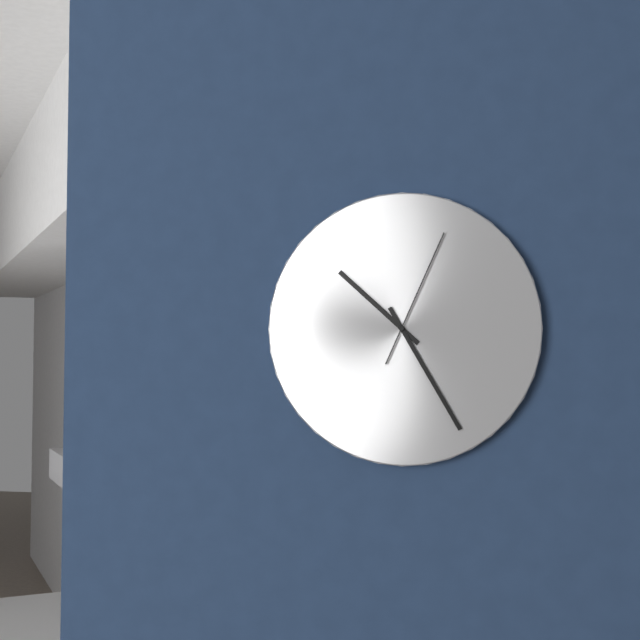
10:25:04
